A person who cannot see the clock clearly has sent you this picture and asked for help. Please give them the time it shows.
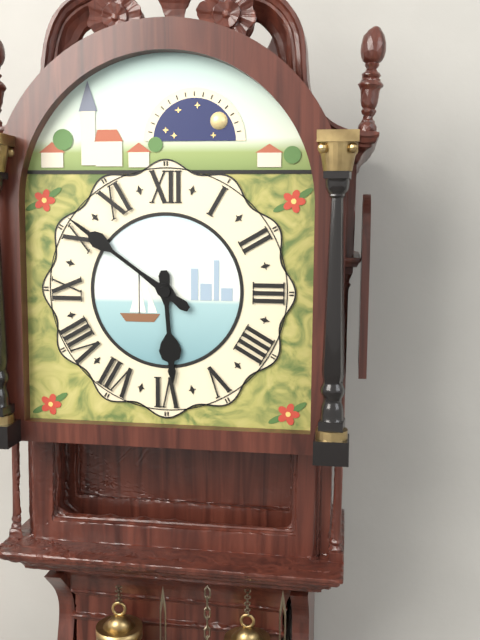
5:51
